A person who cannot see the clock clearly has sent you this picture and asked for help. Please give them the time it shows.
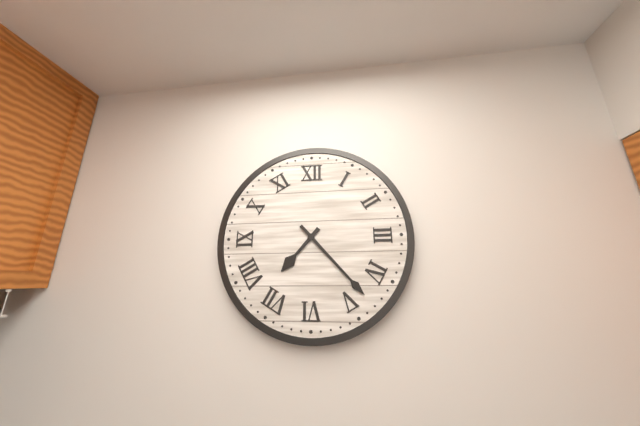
7:23
